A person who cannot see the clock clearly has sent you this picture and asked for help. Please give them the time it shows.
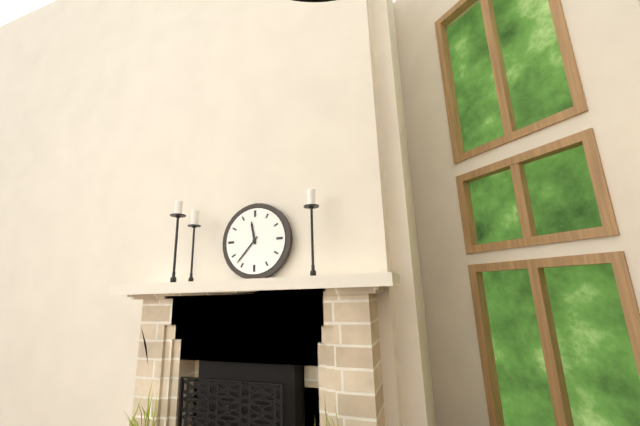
11:37
